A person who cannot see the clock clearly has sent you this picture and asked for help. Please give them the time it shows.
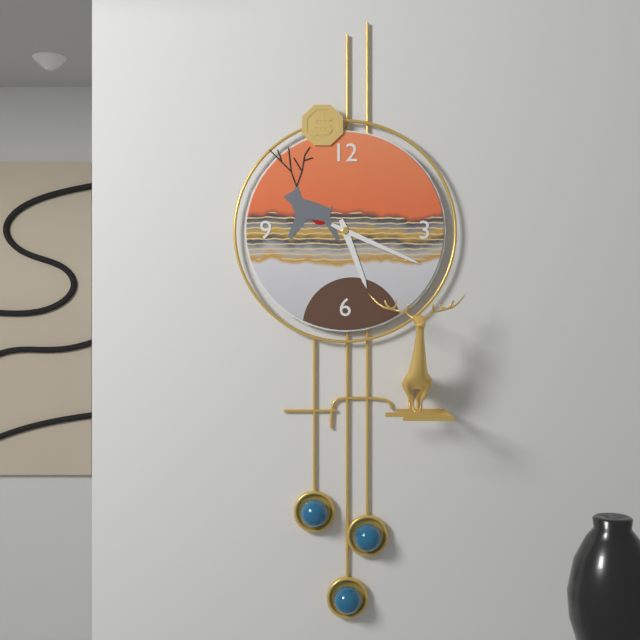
5:19
